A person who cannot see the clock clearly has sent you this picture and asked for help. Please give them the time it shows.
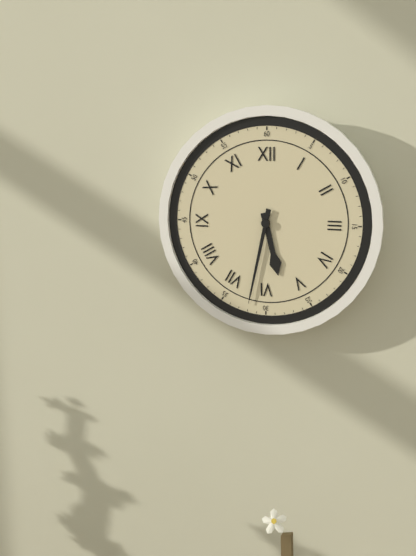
5:32
